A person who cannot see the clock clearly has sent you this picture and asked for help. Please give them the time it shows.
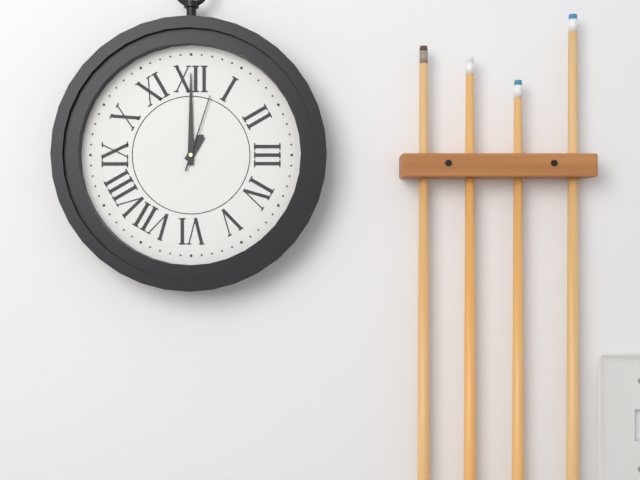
1:00:03
